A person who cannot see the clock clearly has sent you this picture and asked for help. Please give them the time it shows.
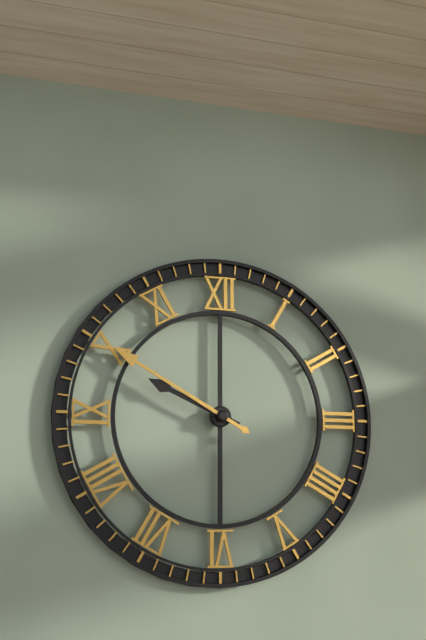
9:50
